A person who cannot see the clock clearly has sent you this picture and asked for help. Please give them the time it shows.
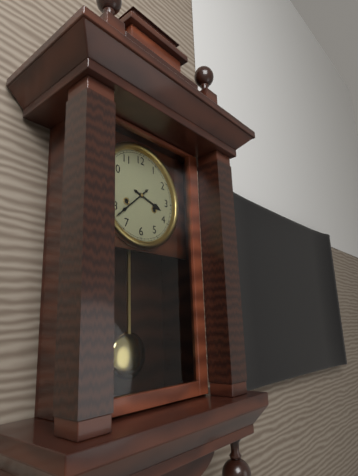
3:38
